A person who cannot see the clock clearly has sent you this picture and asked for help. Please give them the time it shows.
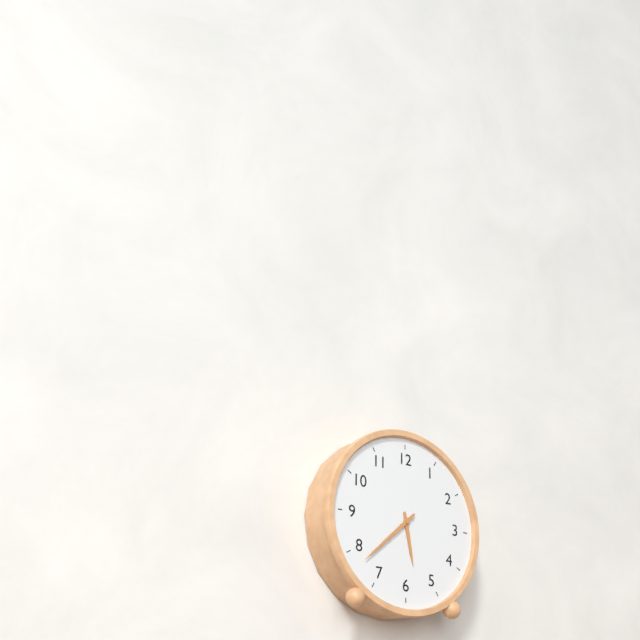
5:38
